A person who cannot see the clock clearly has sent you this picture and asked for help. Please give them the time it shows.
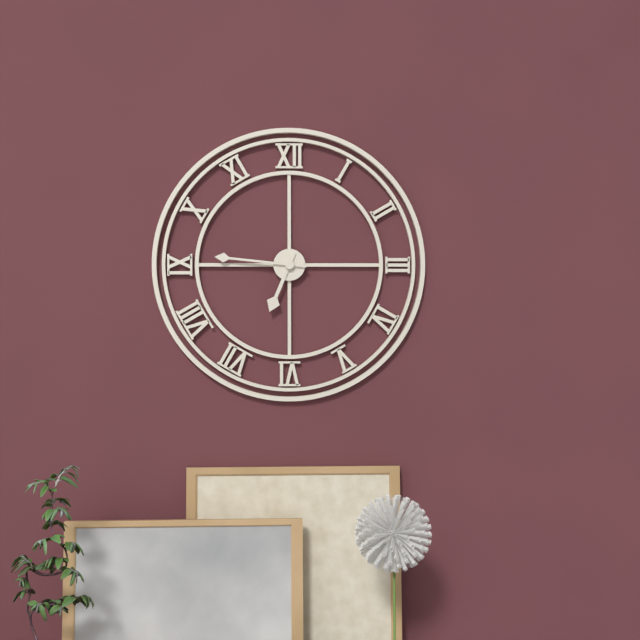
6:46
